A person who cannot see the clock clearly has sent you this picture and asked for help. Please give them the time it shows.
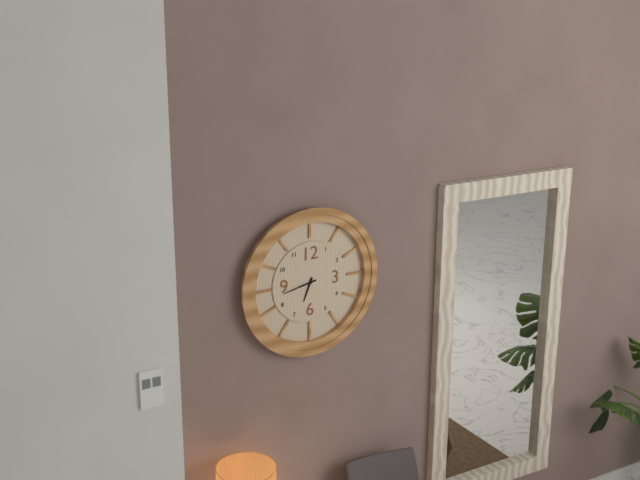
6:43
